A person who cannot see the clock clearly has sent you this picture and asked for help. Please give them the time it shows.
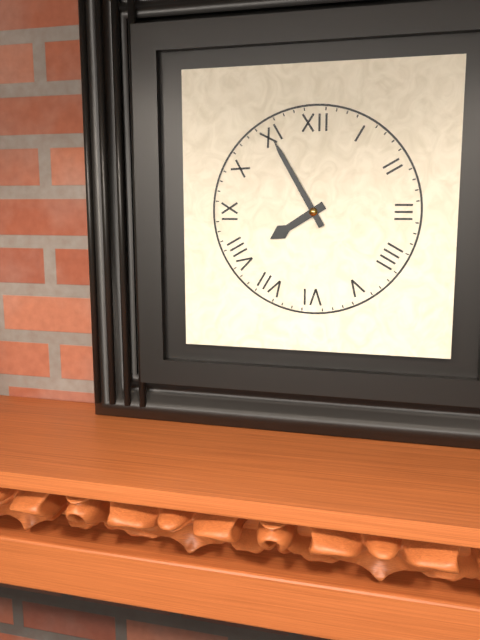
7:55
